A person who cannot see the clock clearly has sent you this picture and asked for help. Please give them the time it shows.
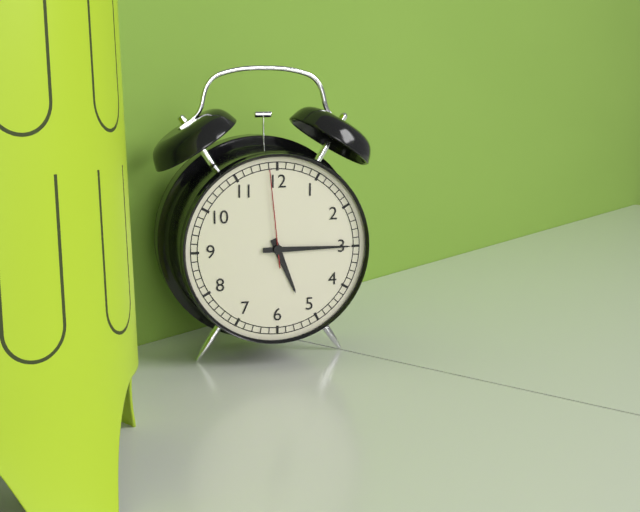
5:15:59
